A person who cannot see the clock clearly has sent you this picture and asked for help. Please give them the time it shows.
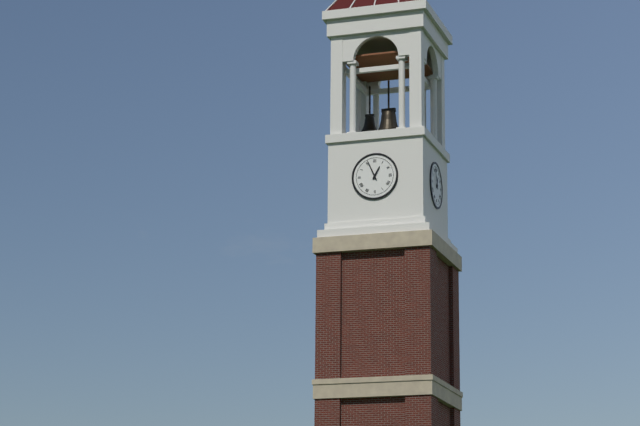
12:56
